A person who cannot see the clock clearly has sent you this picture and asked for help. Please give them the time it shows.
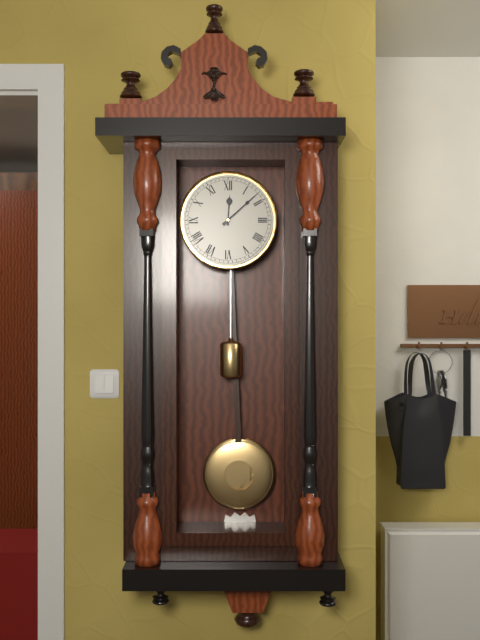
12:08
